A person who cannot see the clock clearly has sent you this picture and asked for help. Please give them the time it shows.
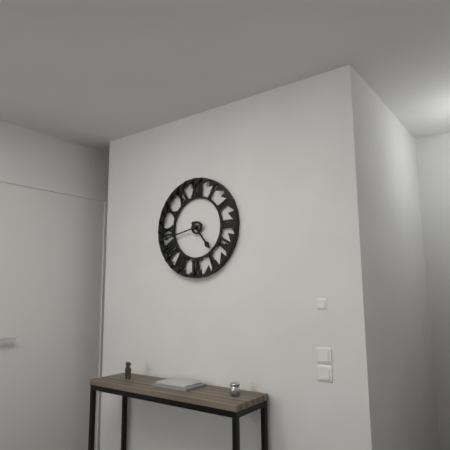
4:43
